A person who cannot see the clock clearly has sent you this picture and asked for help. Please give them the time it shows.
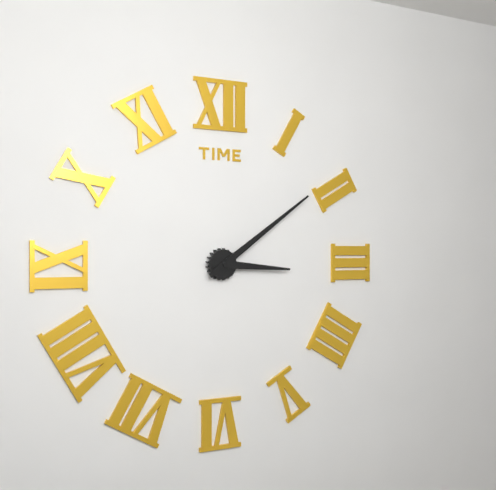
3:09
